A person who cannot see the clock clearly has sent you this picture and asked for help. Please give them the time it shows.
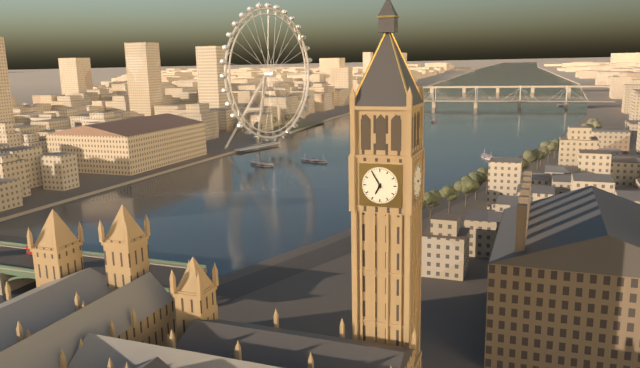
6:55
